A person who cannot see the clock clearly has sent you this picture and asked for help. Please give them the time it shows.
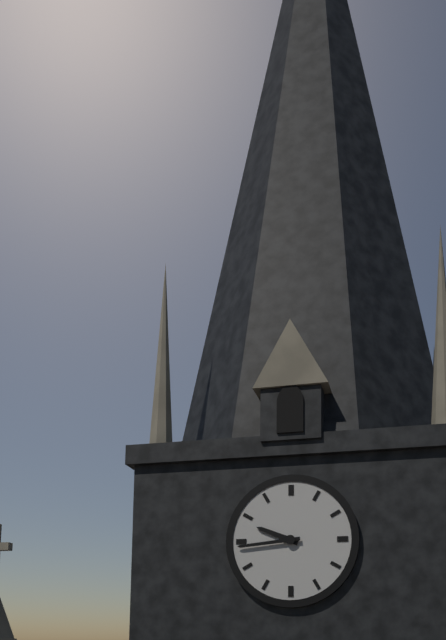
9:44
